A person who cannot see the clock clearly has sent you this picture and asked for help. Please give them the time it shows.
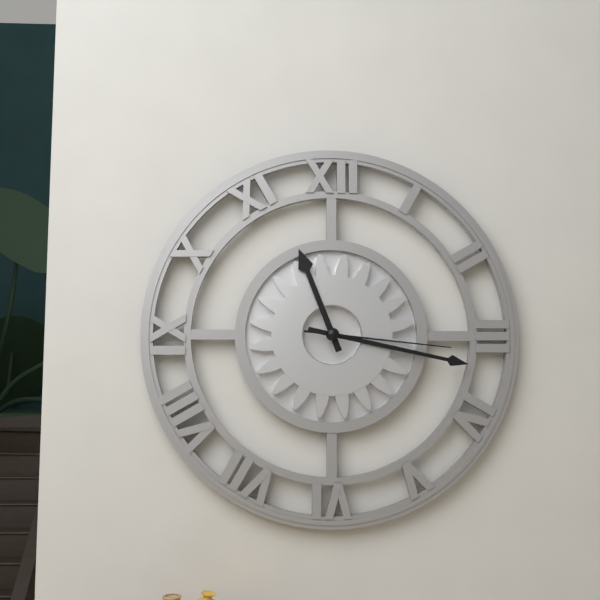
11:17:16
